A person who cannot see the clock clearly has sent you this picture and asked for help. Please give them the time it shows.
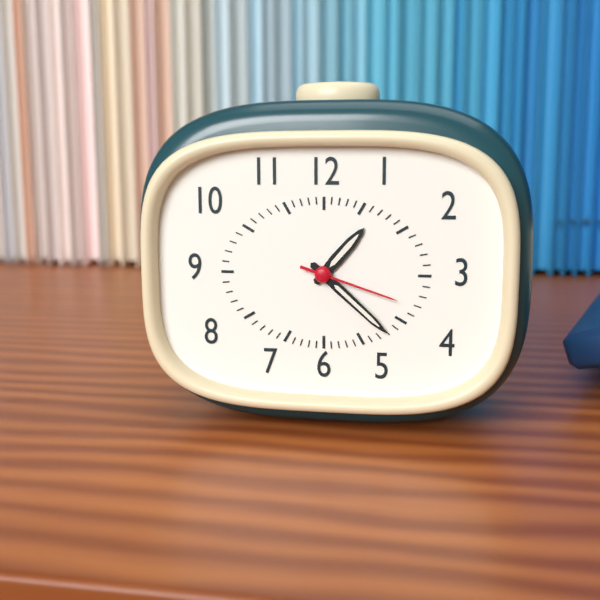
1:22:18
